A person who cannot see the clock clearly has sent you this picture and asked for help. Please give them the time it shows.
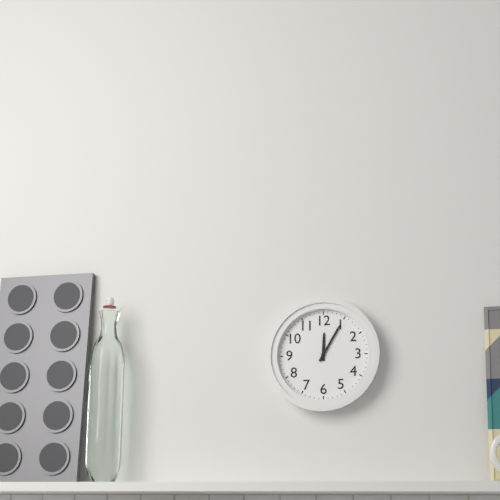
12:05
